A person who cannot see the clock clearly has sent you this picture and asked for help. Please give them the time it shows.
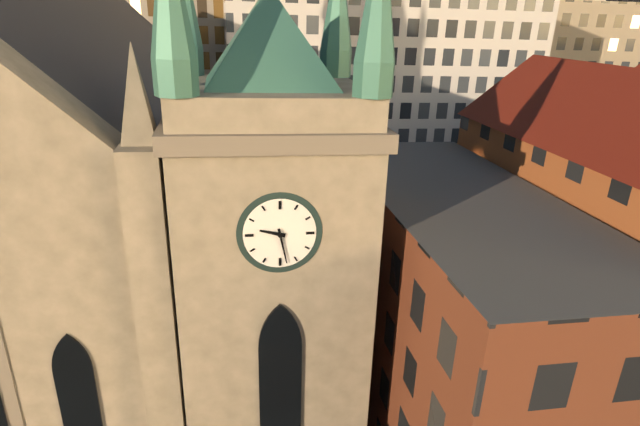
9:28
